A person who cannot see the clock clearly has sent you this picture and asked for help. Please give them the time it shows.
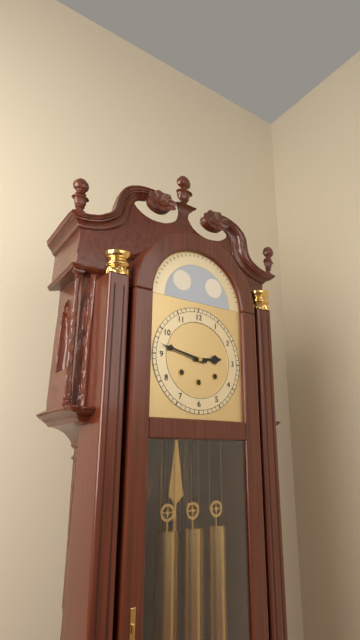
2:47
